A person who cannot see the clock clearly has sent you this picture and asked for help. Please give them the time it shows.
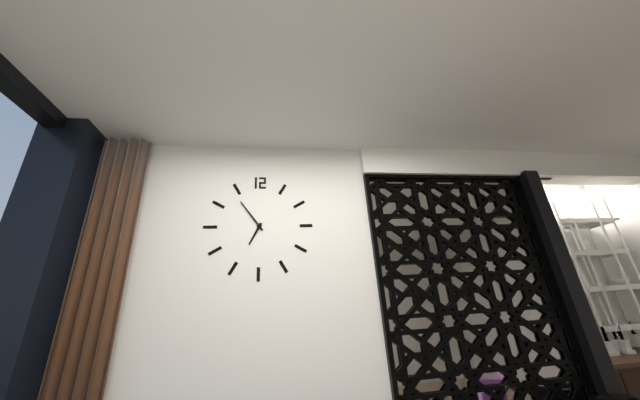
6:54
